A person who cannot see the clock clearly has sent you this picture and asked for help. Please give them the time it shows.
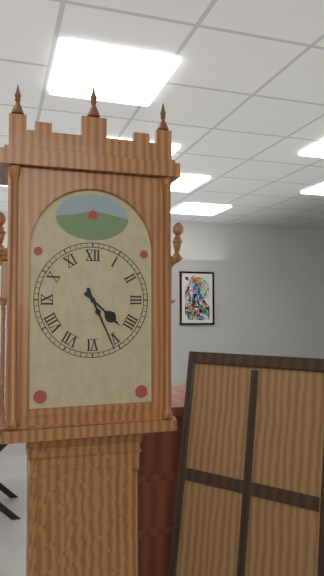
4:26
